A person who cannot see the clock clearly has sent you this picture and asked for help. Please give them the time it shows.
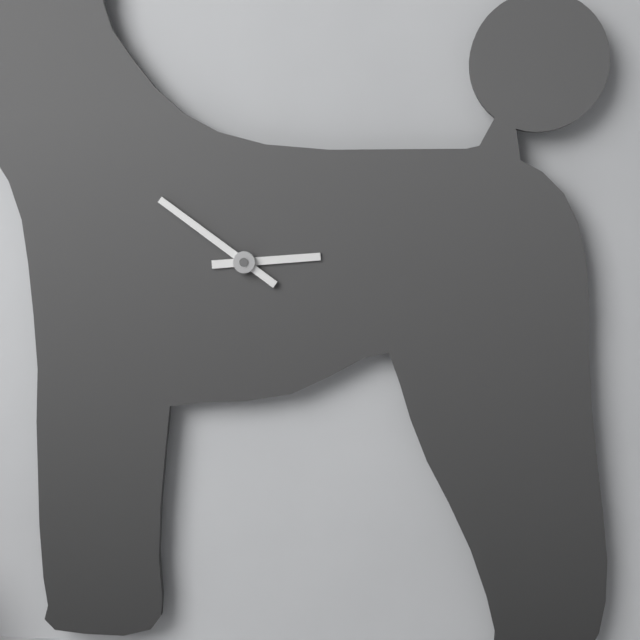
2:51
